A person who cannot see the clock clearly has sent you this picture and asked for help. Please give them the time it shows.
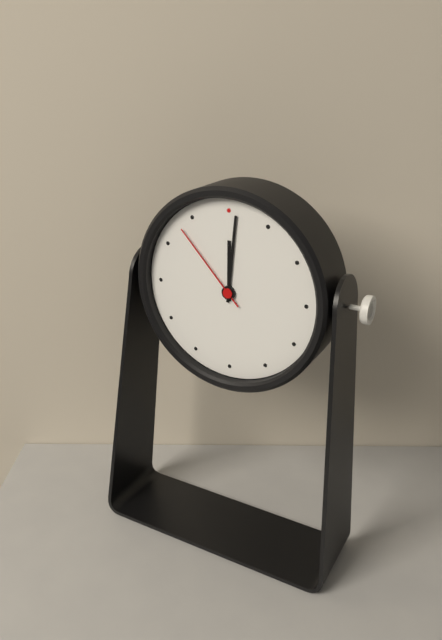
12:01:53
